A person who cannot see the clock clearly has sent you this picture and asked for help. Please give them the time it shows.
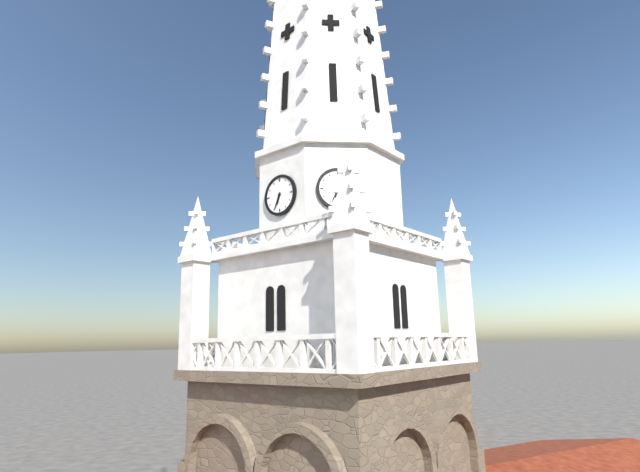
6:34
